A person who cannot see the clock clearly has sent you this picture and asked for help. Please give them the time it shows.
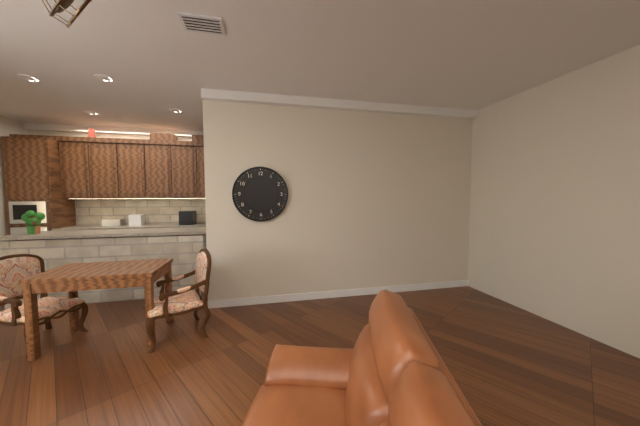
2:54
